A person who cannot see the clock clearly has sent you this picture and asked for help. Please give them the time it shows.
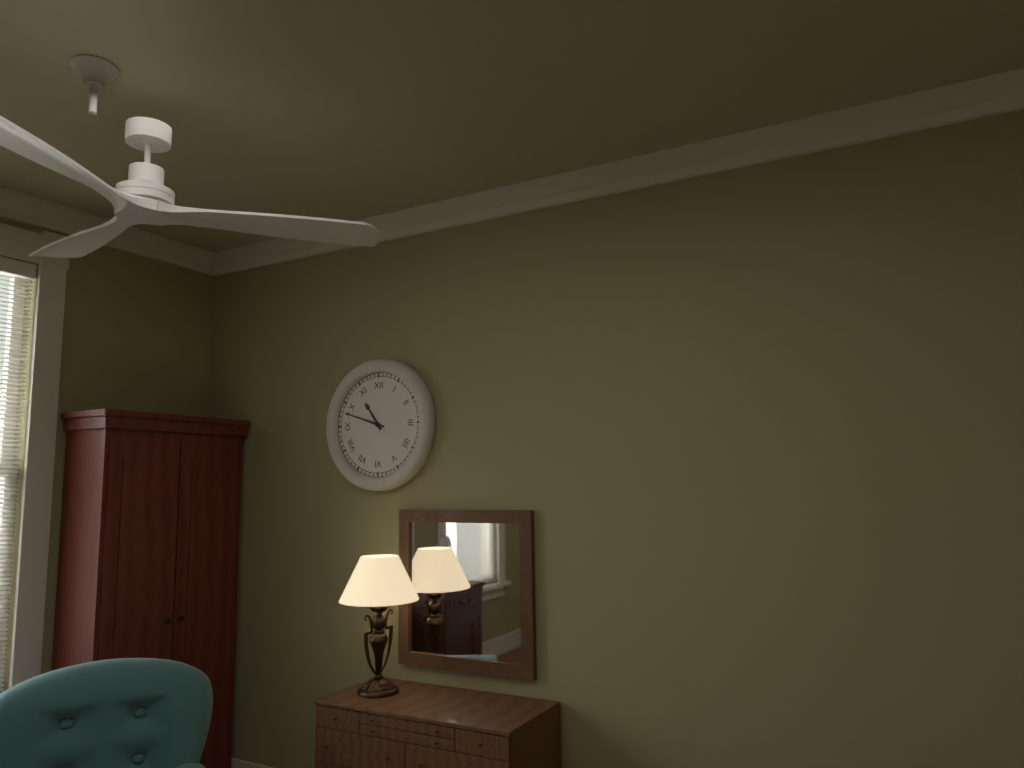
10:48
